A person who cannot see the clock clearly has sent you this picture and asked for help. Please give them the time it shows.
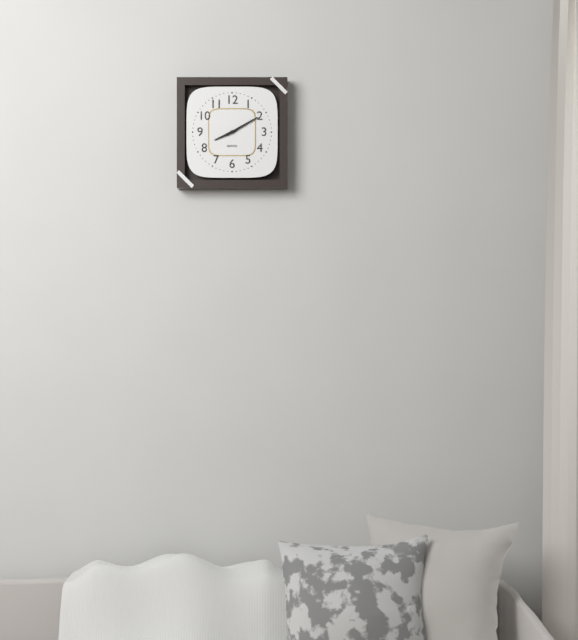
8:10
